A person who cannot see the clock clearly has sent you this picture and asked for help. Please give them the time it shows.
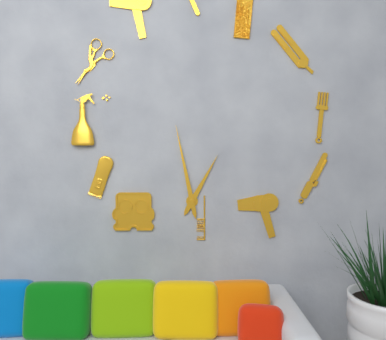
12:58
